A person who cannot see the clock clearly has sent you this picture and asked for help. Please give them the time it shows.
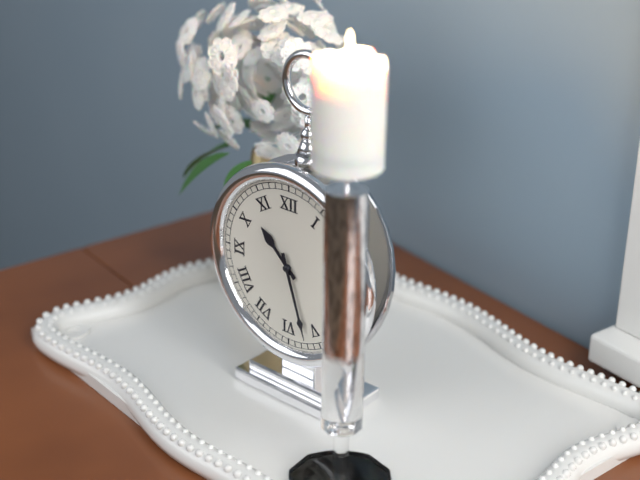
10:27
